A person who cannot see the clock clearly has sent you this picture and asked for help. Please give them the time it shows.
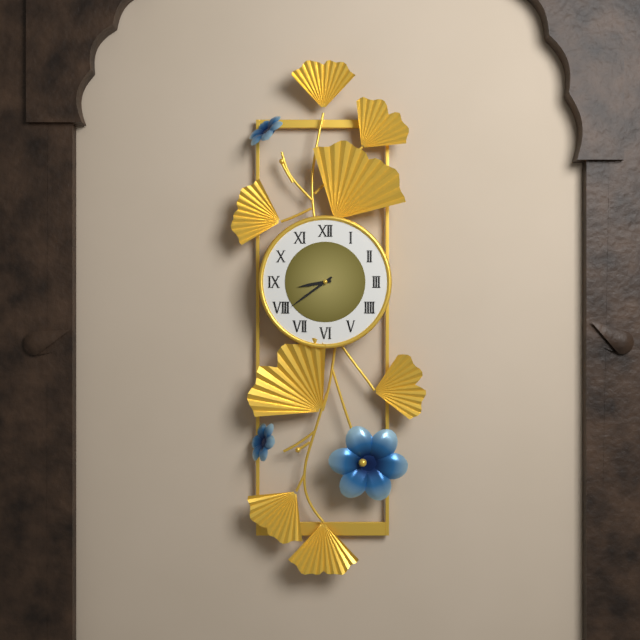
8:39
